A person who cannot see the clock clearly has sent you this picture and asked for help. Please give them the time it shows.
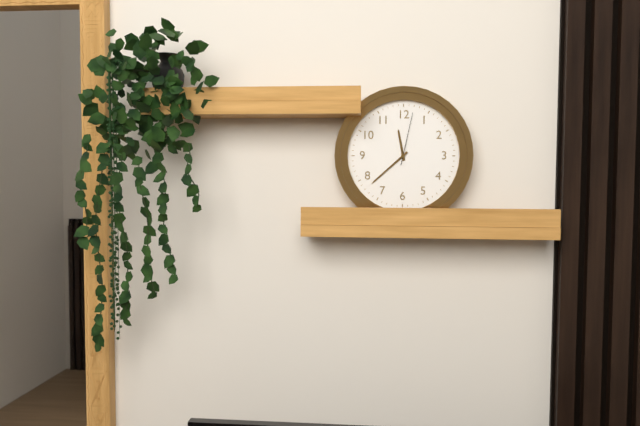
11:38:02
